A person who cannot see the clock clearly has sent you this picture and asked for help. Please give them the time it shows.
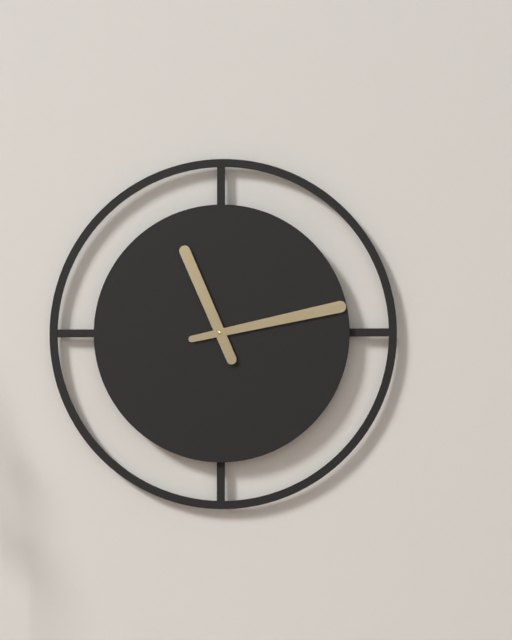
11:13
